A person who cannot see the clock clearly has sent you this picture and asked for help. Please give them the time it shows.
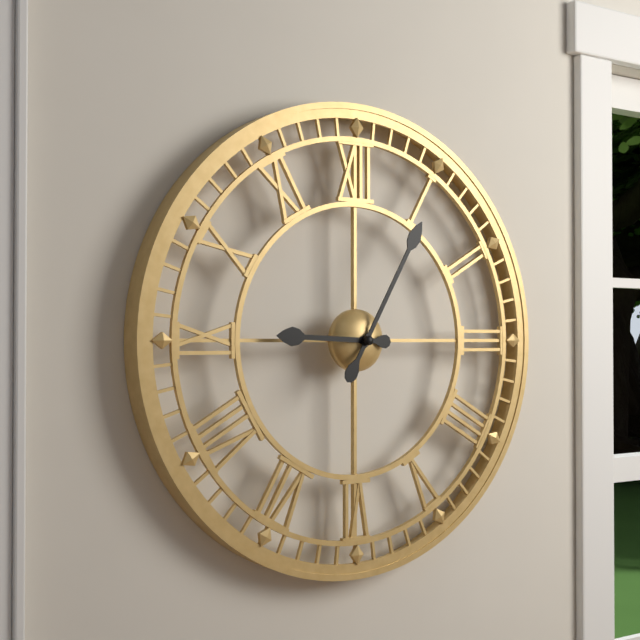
9:05
